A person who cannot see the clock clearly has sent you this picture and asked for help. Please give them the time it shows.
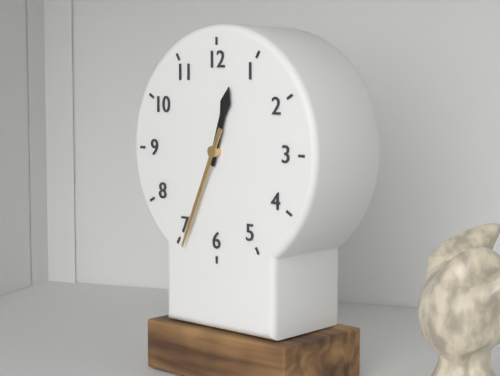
12:34
